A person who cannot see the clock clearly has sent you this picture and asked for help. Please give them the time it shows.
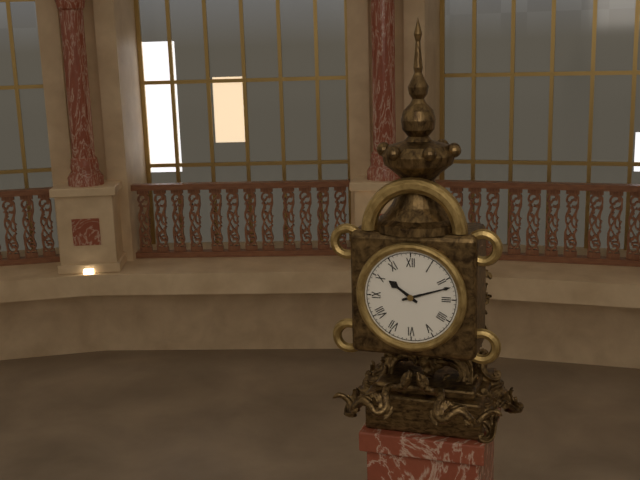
10:12
